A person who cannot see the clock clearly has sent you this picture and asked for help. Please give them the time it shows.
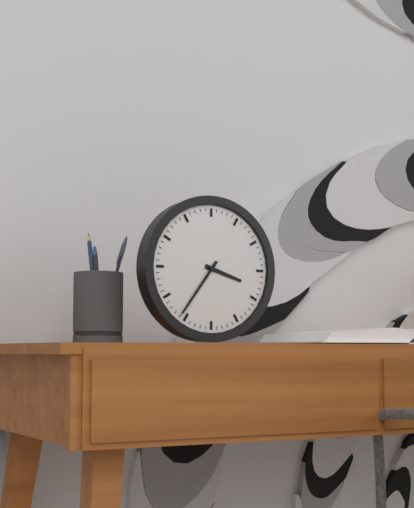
3:36
